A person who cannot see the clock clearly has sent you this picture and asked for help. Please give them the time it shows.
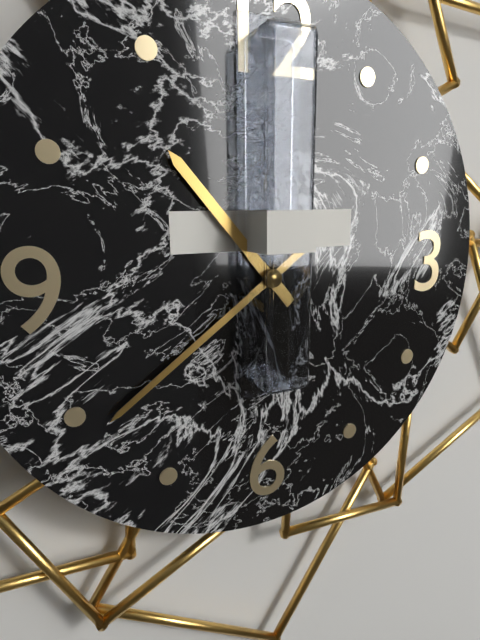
10:39
